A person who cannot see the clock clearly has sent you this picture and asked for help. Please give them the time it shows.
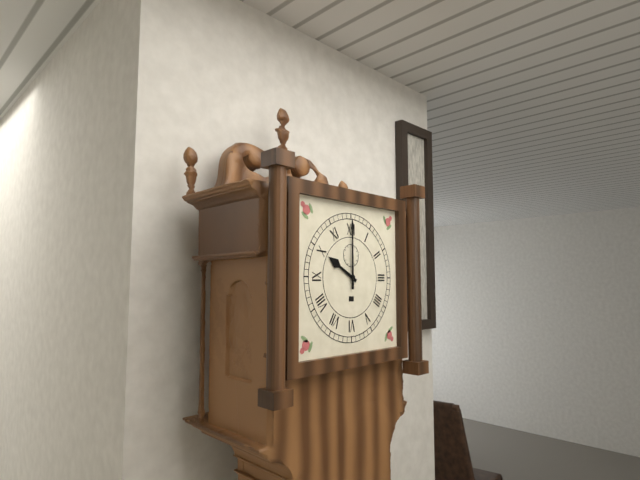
10:00
